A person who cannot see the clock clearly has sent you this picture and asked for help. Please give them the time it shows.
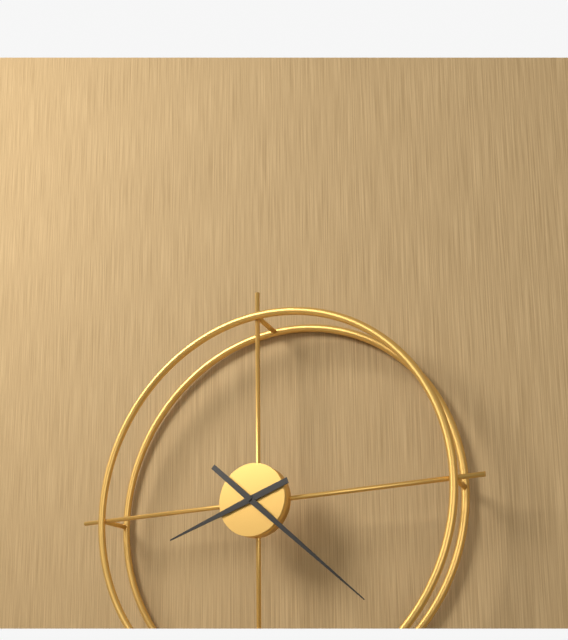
8:22
